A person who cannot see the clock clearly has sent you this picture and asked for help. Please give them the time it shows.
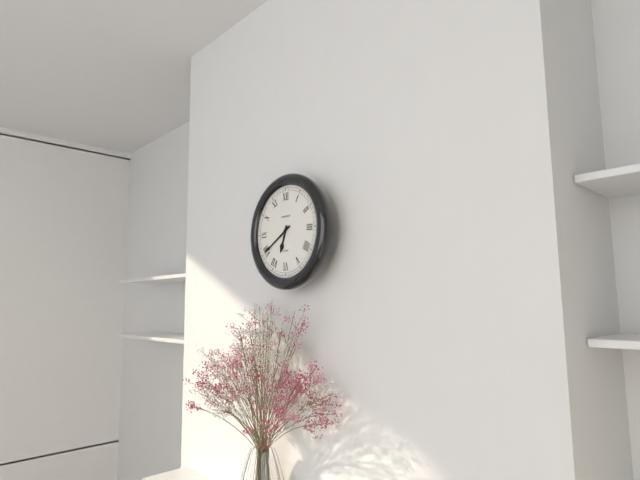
6:40
